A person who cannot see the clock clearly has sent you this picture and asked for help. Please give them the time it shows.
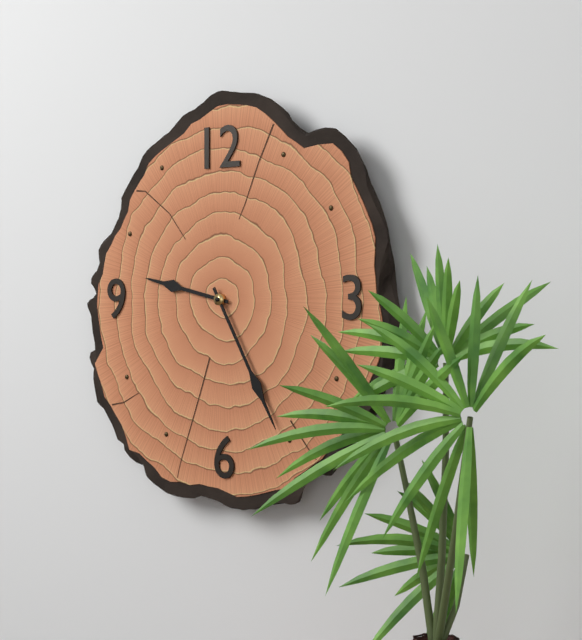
9:25
